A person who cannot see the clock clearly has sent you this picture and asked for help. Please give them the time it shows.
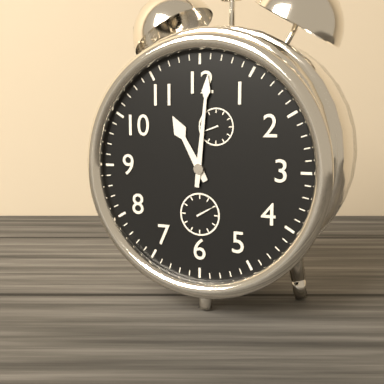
11:01
